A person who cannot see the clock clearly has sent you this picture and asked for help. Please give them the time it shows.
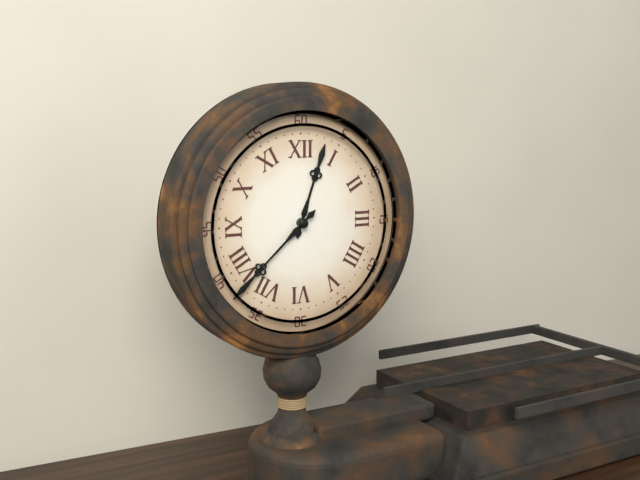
12:38
